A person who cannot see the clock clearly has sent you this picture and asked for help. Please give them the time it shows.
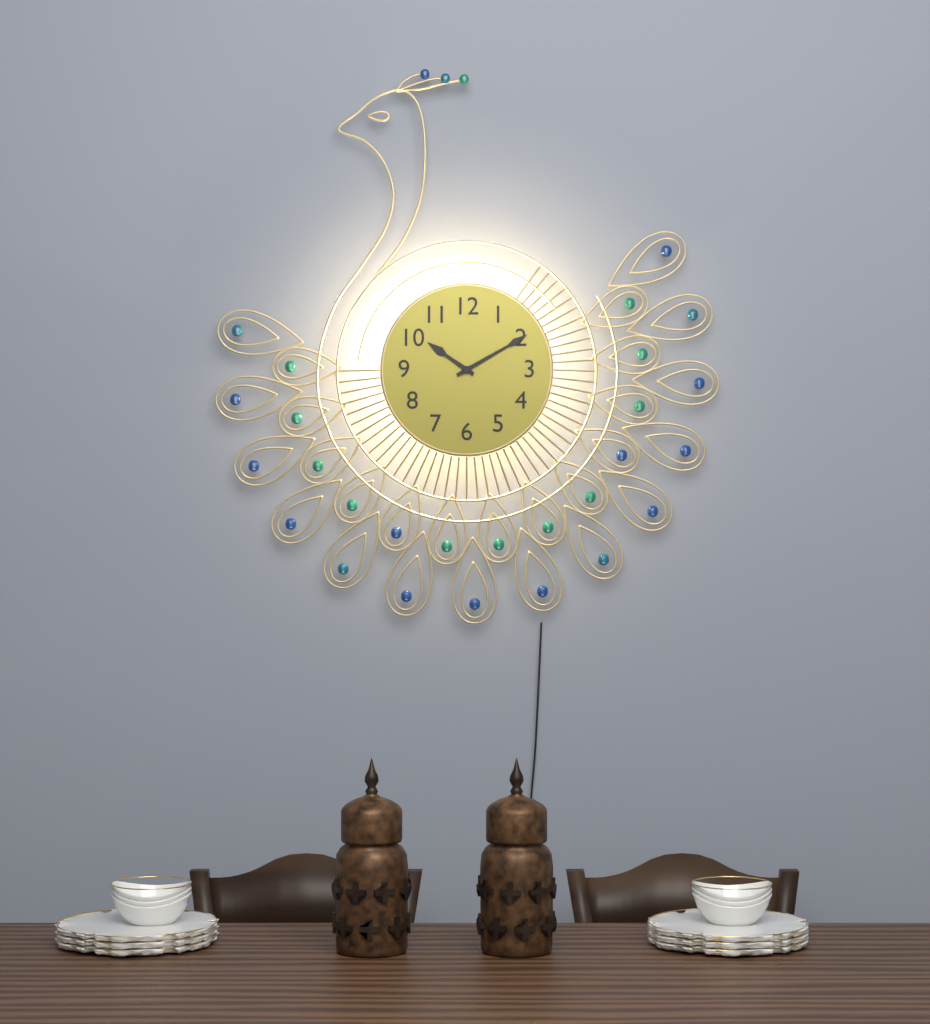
10:10
